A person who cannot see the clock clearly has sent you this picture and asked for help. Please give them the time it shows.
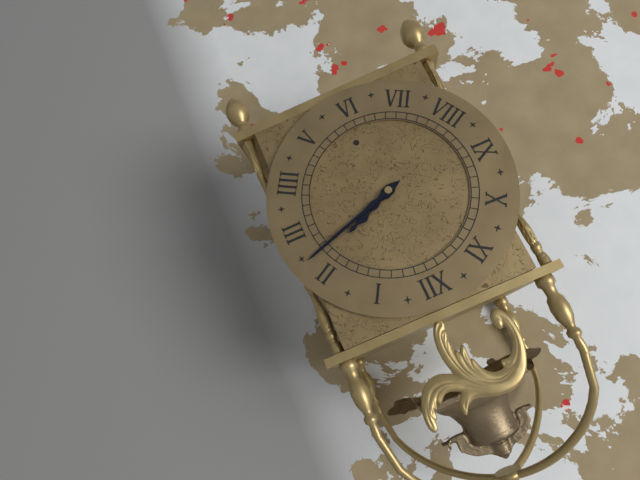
2:12
